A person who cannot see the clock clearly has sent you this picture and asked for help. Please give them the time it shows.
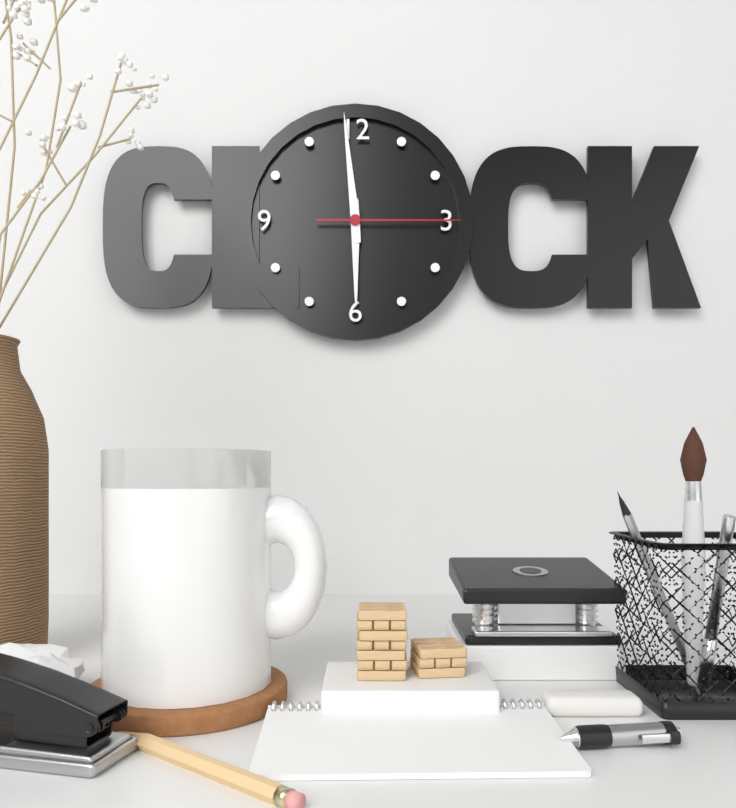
5:59:15
